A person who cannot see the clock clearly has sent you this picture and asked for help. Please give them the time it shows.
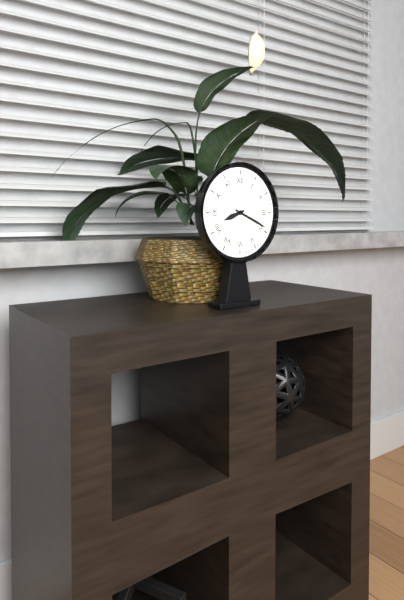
8:19
